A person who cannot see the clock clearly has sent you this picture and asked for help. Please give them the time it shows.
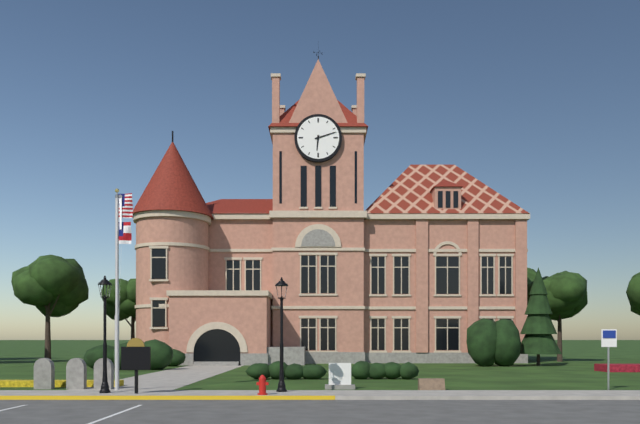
6:12
